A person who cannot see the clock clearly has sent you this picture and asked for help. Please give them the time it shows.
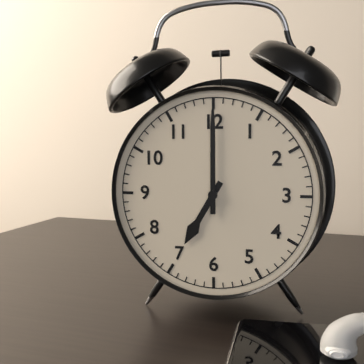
7:00
